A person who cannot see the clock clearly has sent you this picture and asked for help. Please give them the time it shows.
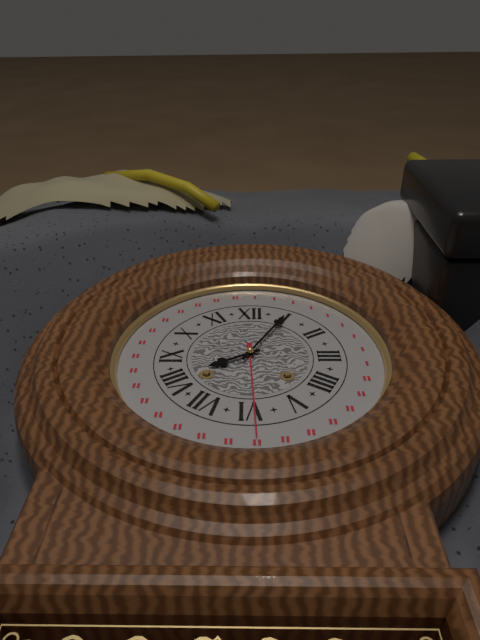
8:05
